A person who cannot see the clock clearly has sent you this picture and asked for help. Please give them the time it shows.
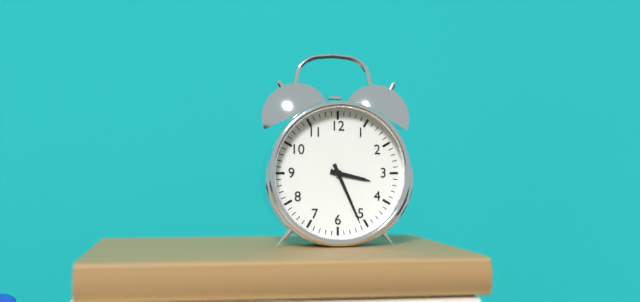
3:26
